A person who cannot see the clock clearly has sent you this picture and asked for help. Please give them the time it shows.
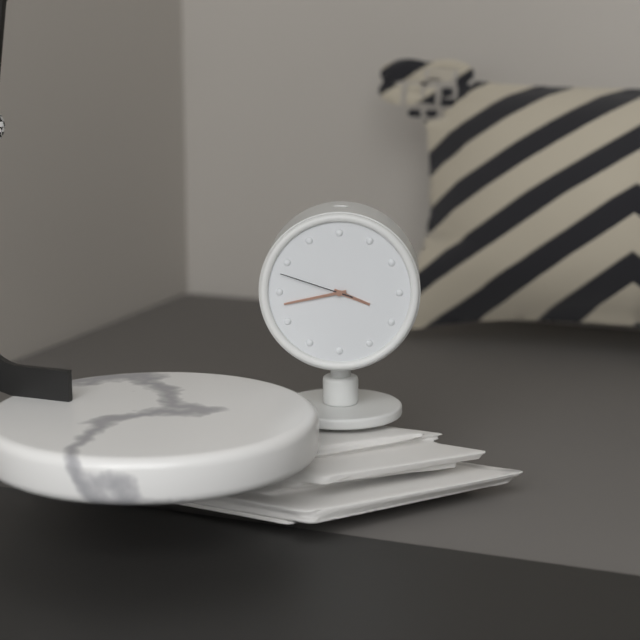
3:43:48
